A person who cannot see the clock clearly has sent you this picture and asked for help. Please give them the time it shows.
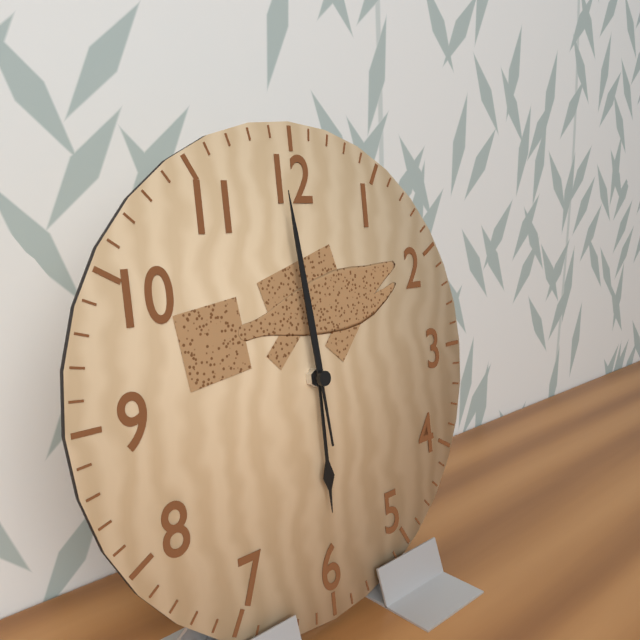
5:59
